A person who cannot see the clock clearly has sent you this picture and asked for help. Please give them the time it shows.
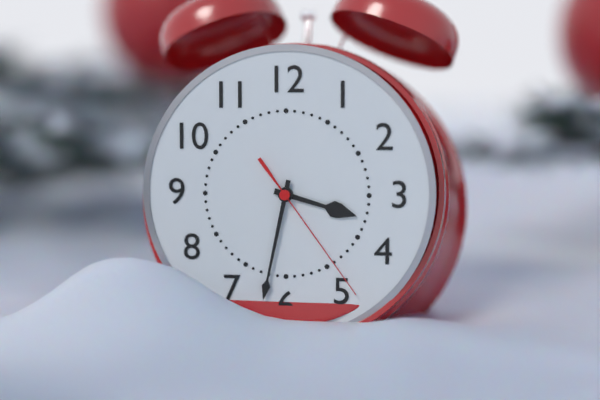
3:32:24
